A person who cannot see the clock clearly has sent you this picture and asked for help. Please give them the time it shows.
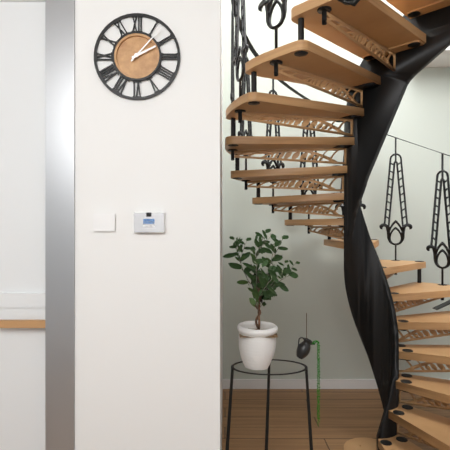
2:07
